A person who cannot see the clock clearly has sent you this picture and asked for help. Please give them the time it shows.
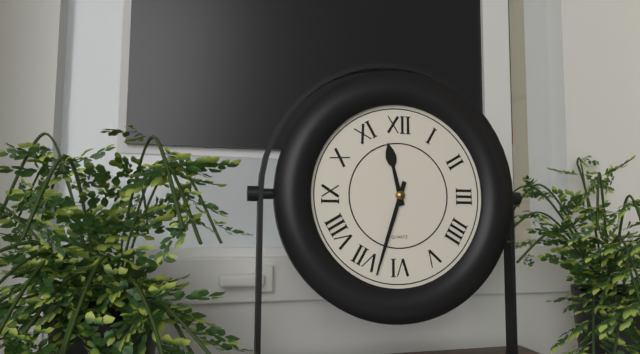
11:33
